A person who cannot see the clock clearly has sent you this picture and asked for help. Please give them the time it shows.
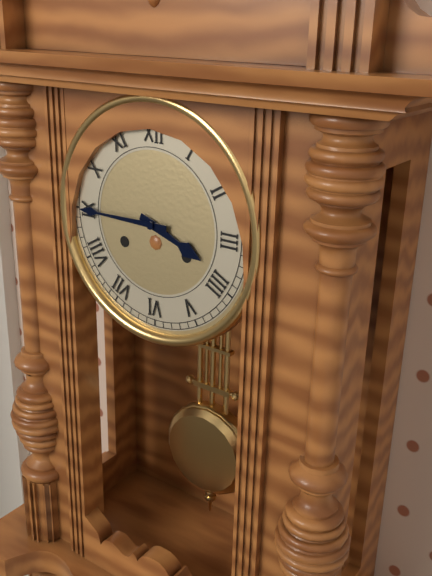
3:45
